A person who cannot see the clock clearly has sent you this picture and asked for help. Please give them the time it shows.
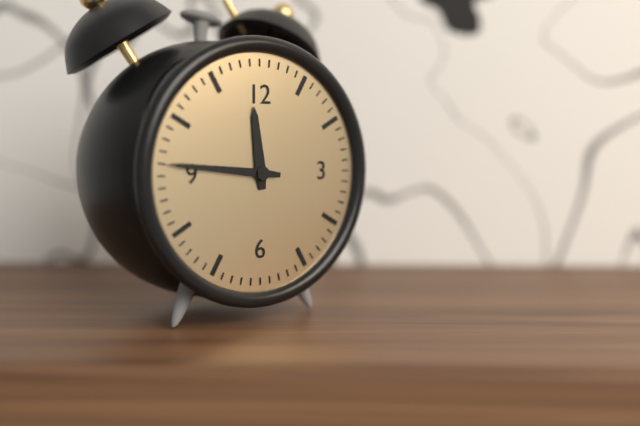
11:46
